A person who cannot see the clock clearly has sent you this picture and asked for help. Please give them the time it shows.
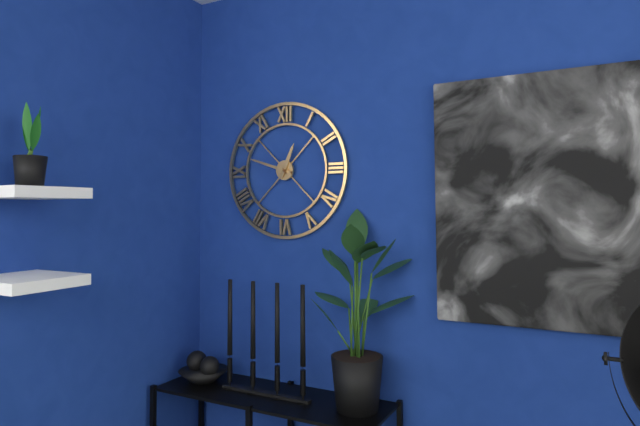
12:48
